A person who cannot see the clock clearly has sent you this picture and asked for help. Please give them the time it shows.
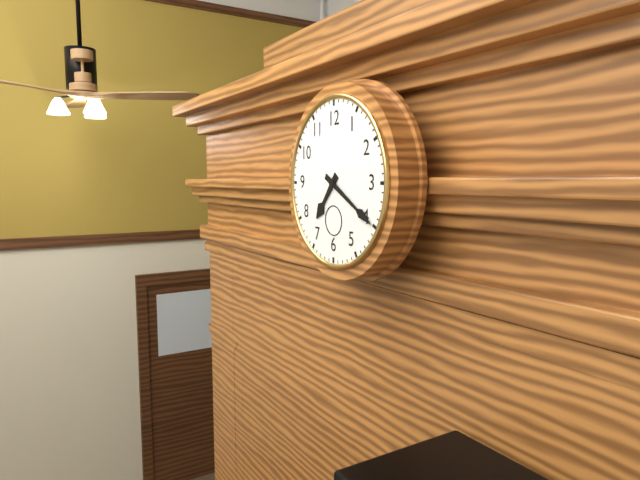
7:20
